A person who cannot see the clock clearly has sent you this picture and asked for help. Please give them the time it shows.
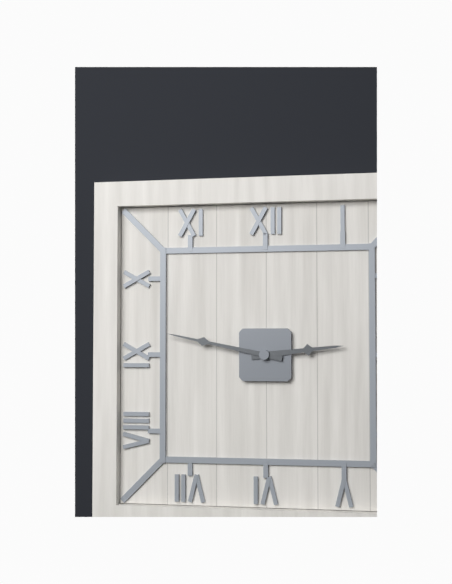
2:47
